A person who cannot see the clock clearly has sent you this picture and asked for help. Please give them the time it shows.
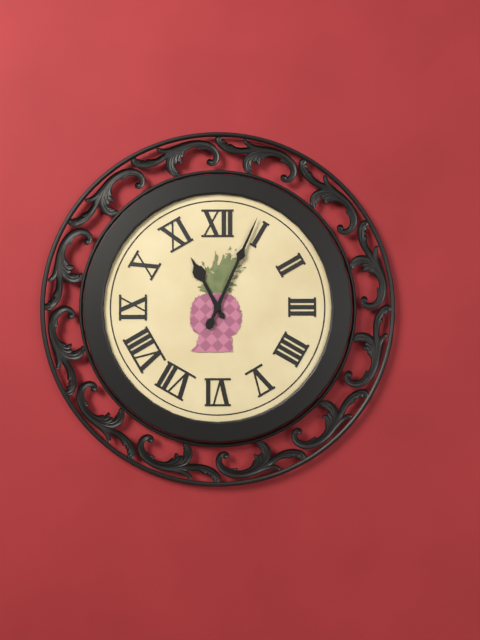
11:04
